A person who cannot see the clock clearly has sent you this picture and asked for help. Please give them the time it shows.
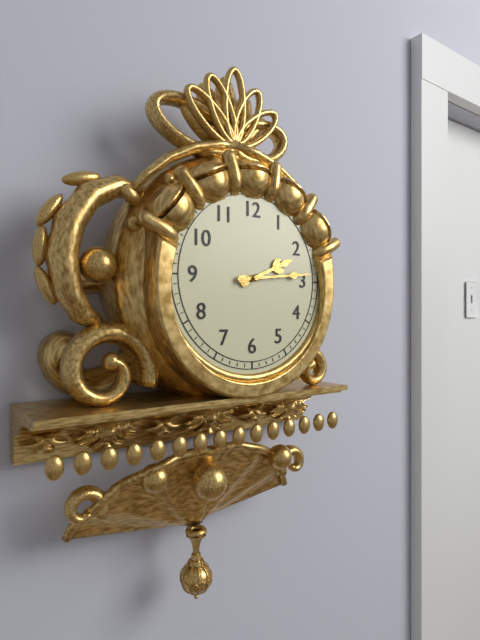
2:14
